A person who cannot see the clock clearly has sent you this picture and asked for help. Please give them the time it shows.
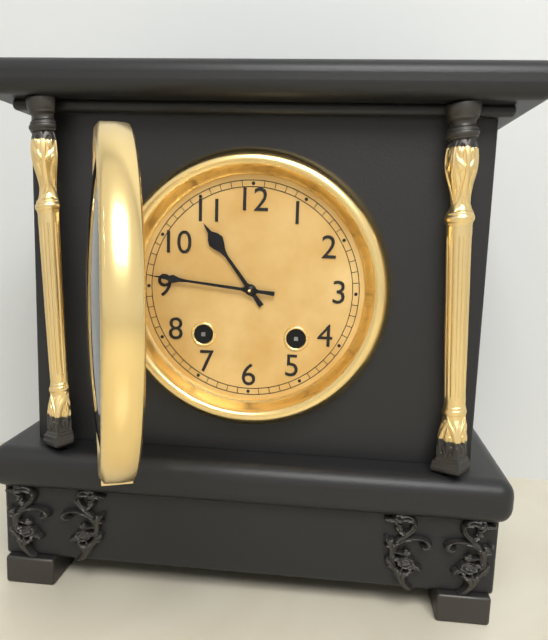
10:46
